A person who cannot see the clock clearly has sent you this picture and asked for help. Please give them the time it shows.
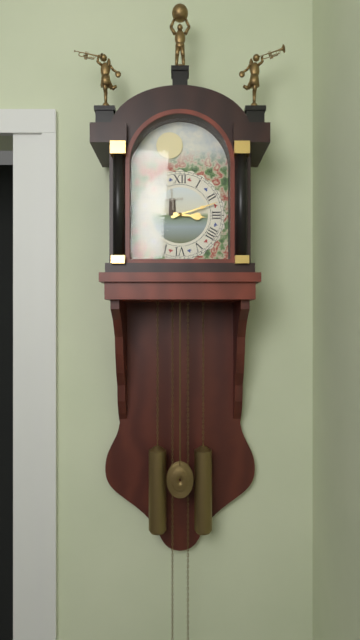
3:12
